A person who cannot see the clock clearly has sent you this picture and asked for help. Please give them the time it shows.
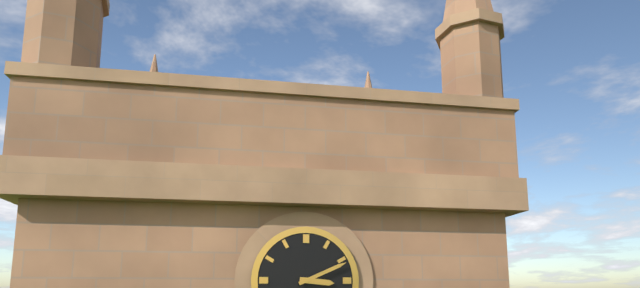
3:11
